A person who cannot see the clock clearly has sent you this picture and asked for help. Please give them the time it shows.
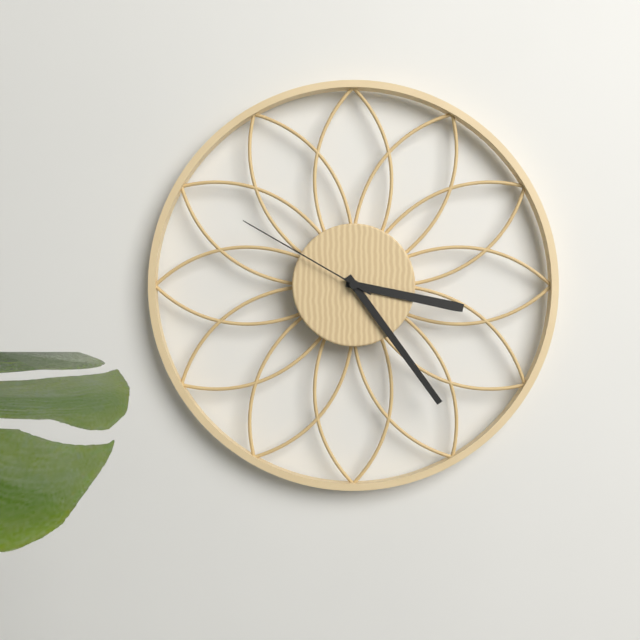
3:24:50
